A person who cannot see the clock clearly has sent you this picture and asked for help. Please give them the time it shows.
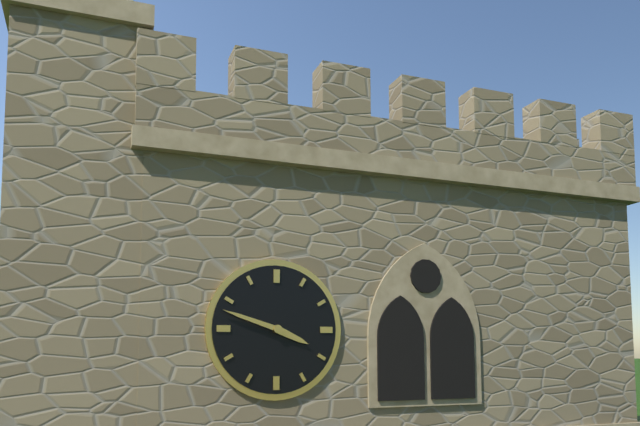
3:48
